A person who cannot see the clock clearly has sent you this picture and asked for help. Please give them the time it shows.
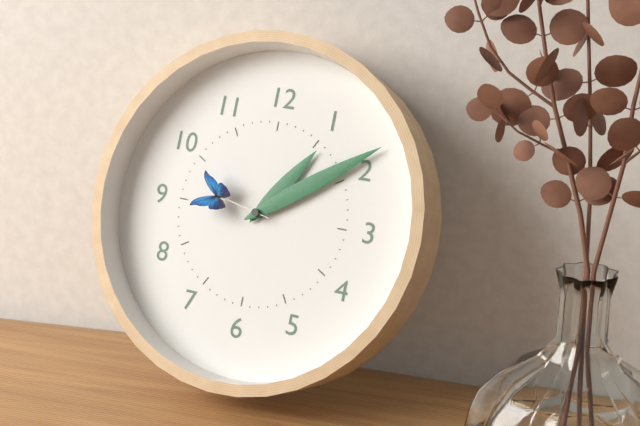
1:09:47
